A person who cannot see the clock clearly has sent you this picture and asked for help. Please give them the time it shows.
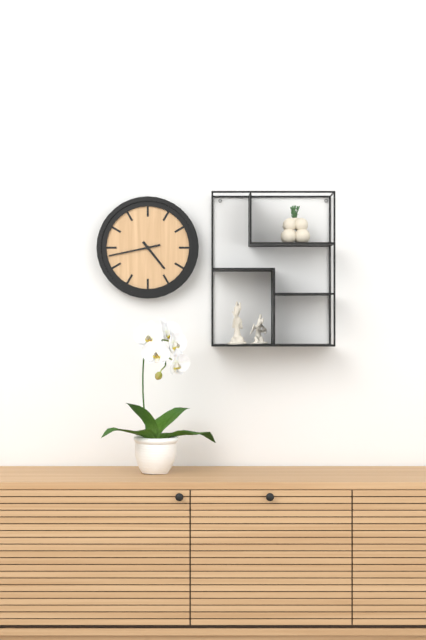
4:43
